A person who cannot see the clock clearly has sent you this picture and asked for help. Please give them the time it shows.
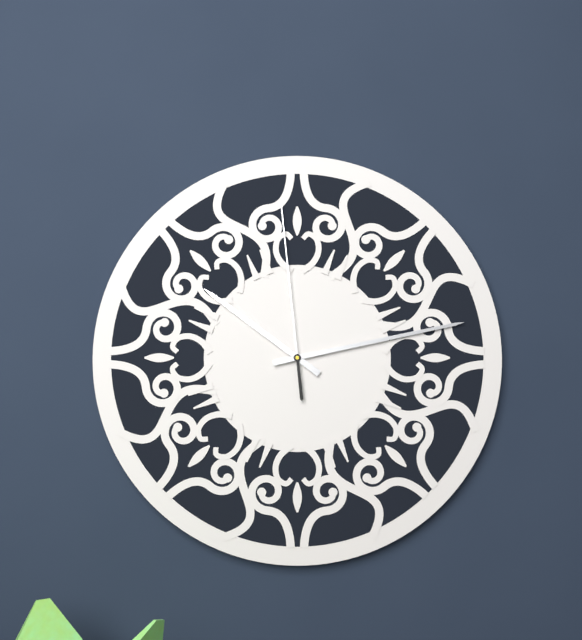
10:13:59
